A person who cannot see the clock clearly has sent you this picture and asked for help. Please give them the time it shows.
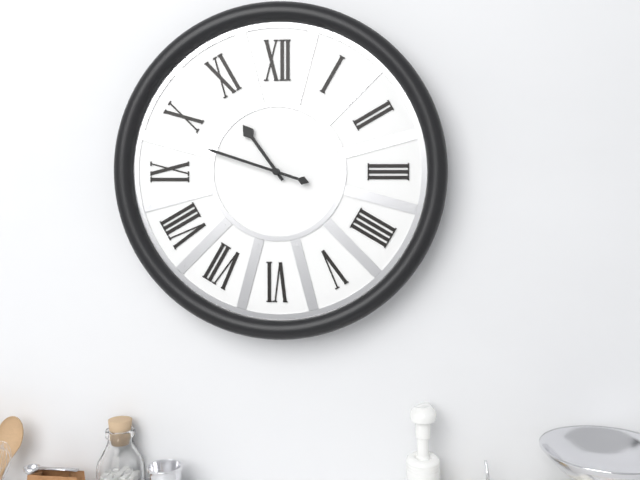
10:48
